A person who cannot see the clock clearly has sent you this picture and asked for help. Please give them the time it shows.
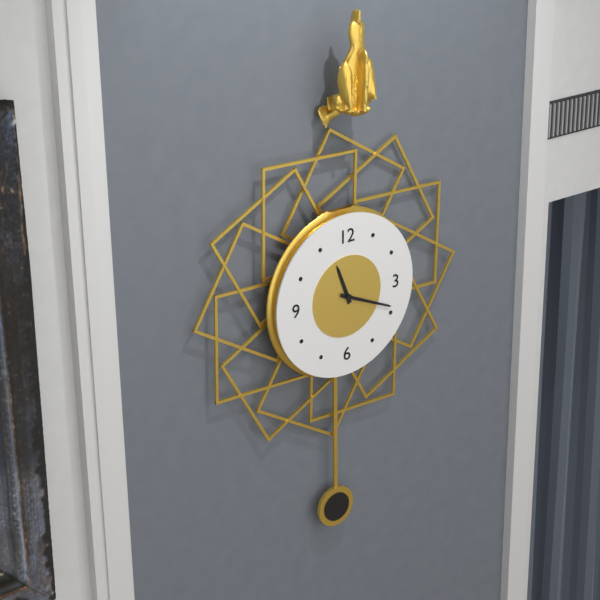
11:19
